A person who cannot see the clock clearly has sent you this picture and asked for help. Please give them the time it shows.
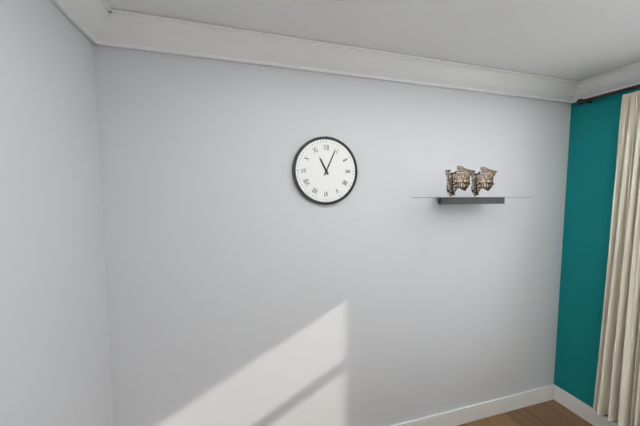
11:04
